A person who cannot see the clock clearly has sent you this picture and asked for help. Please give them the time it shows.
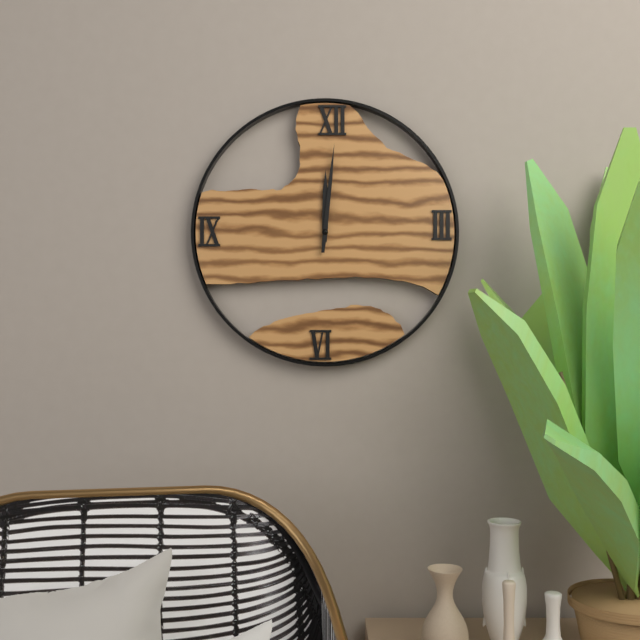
12:01
